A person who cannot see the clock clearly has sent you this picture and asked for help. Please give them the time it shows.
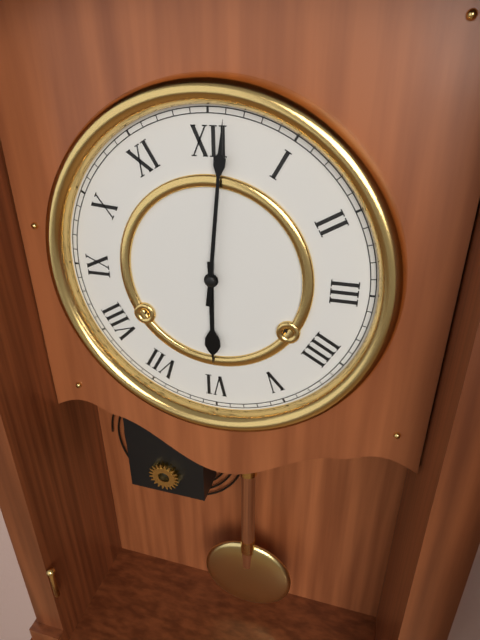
6:01
